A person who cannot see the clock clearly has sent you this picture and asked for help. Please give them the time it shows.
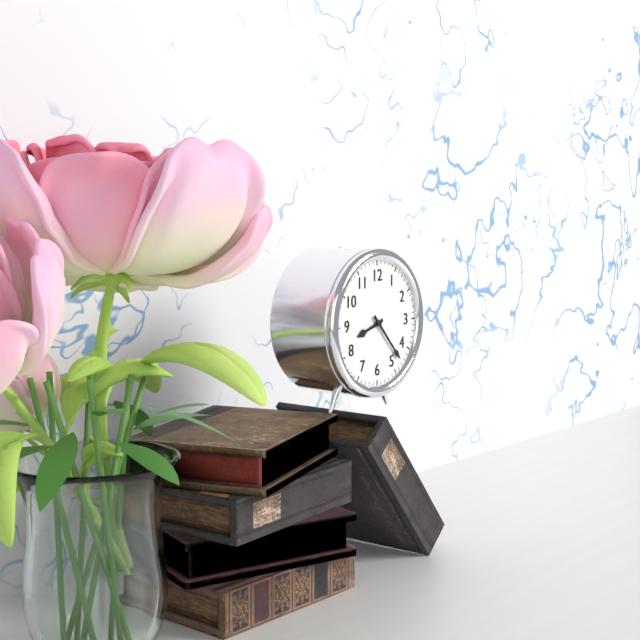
8:23
